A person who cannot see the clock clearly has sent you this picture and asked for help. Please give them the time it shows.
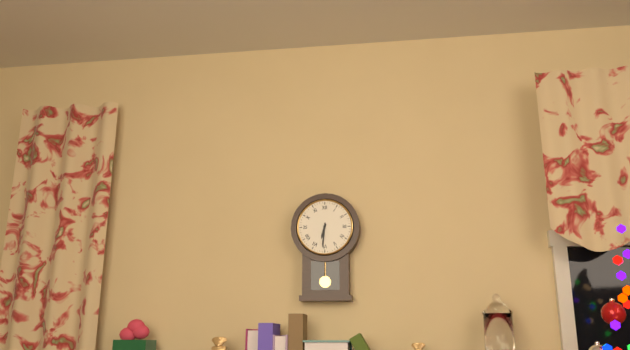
6:31
